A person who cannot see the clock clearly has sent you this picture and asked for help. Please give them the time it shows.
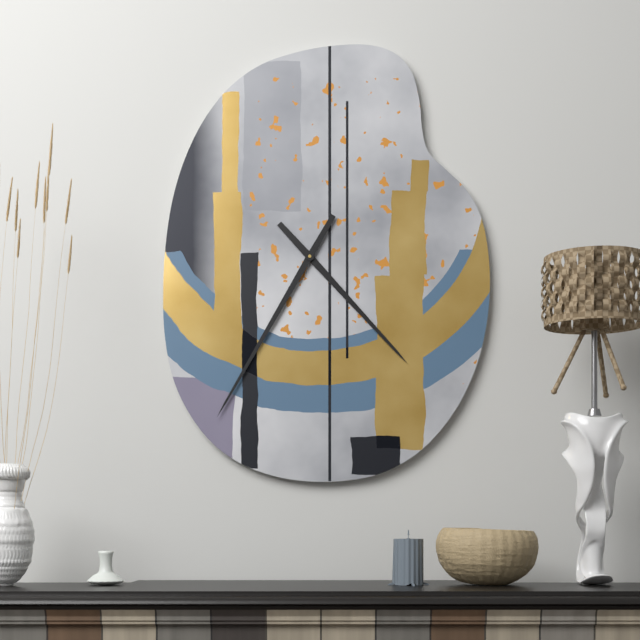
4:35
